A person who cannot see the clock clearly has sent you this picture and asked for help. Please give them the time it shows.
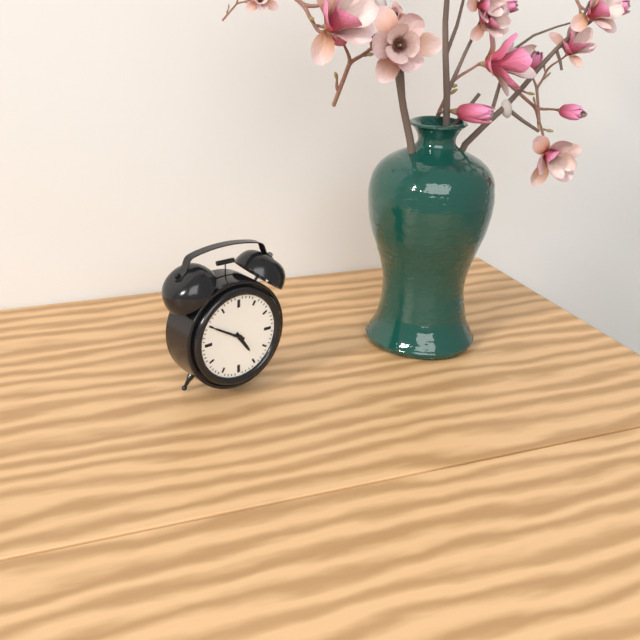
4:50
